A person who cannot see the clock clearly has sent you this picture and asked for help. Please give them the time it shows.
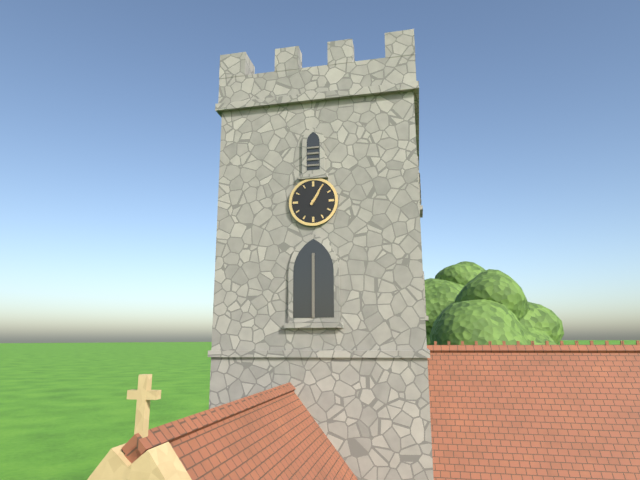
1:05
